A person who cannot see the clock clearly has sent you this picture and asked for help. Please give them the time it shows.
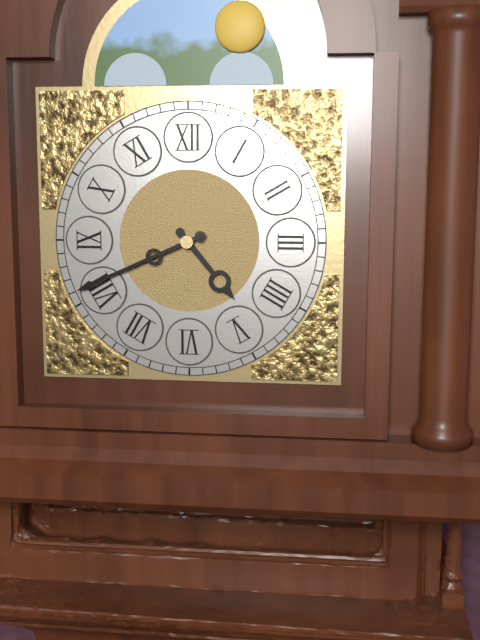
4:41
